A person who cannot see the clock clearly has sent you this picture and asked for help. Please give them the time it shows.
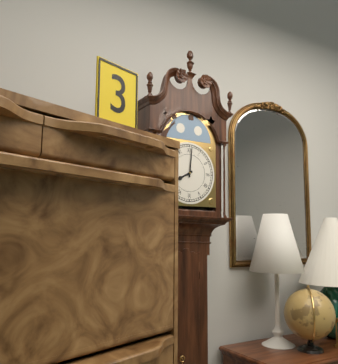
8:01
